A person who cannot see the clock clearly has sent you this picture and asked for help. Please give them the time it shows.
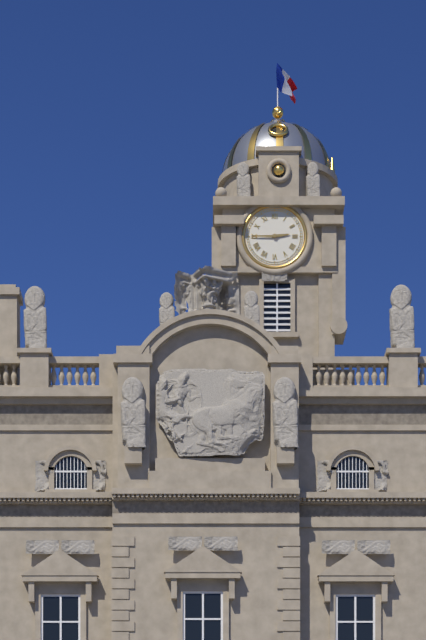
2:45
